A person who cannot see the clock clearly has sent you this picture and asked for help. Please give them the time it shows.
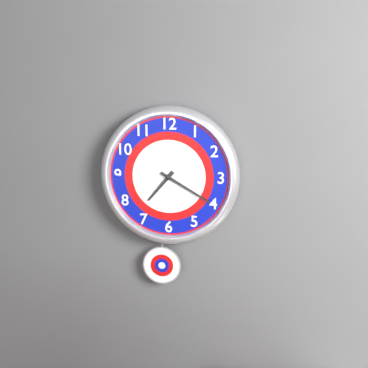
7:20
